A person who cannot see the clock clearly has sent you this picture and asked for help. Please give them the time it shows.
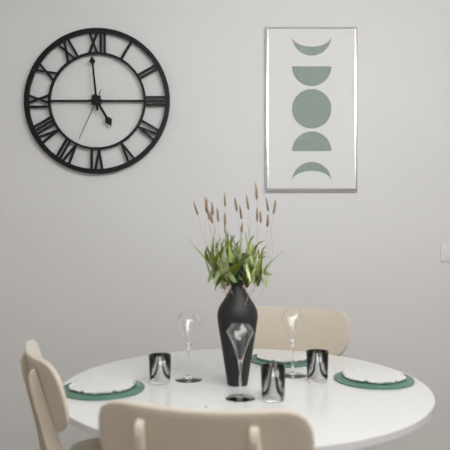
4:59:34
